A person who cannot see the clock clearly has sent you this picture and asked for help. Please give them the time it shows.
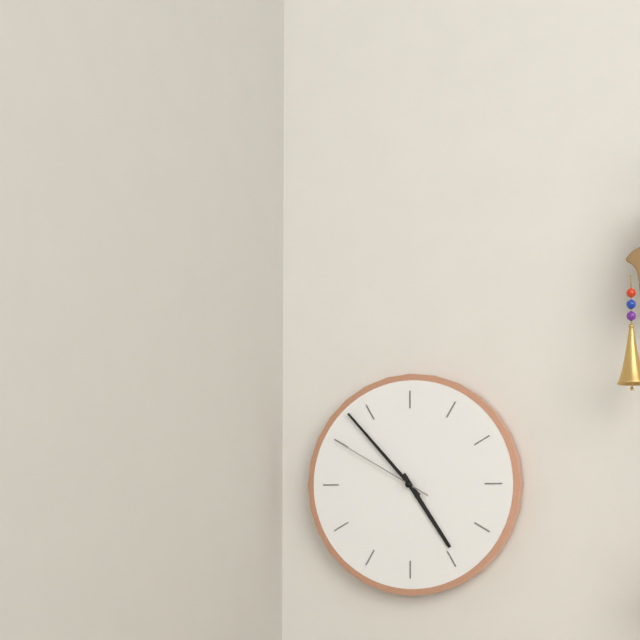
4:53:50
